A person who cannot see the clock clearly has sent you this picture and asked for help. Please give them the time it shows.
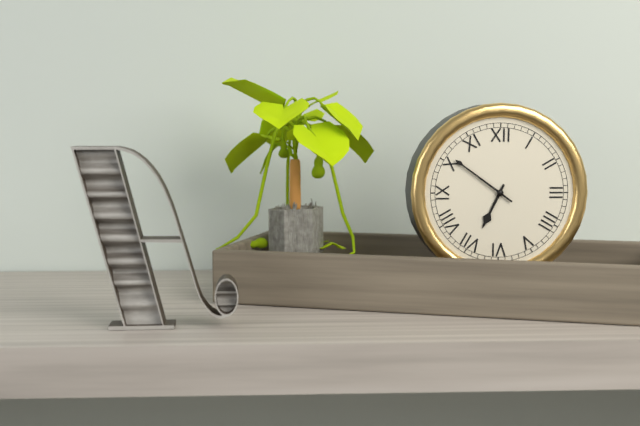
6:51
